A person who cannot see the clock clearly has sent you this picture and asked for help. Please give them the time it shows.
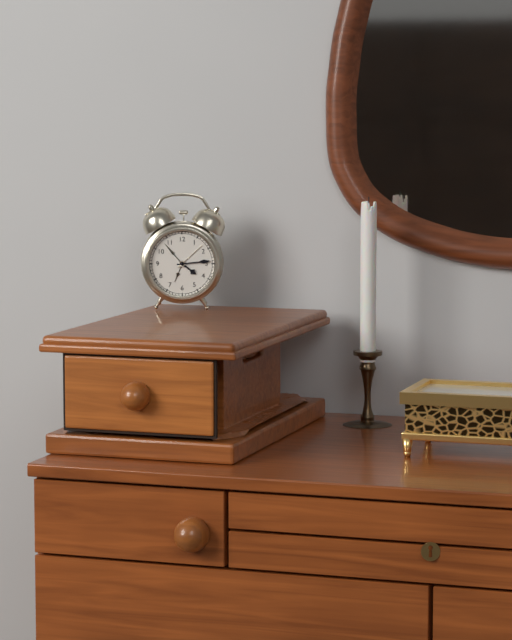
4:14
